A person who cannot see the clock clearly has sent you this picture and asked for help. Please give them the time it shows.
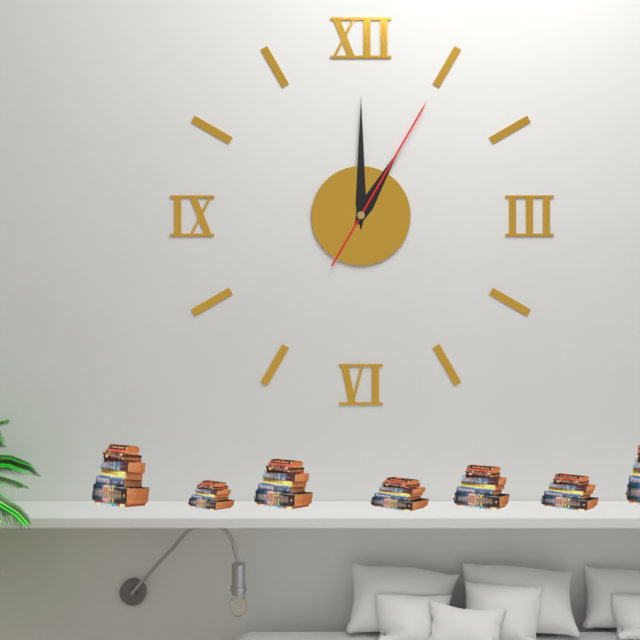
1:00:05
